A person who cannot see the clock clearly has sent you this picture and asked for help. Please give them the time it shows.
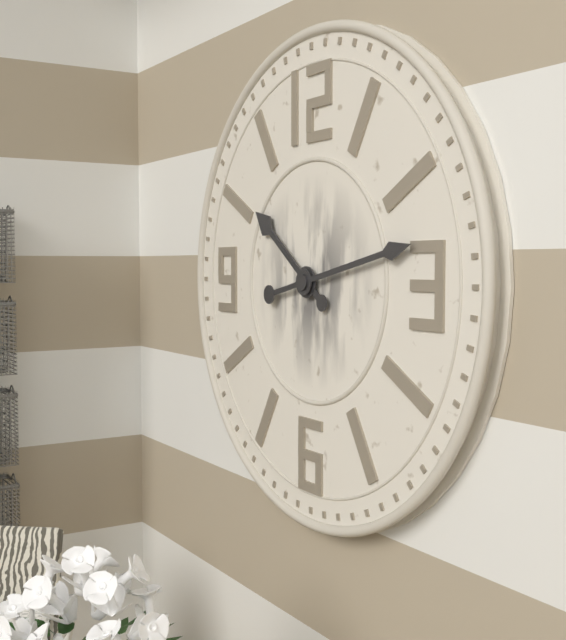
10:13
